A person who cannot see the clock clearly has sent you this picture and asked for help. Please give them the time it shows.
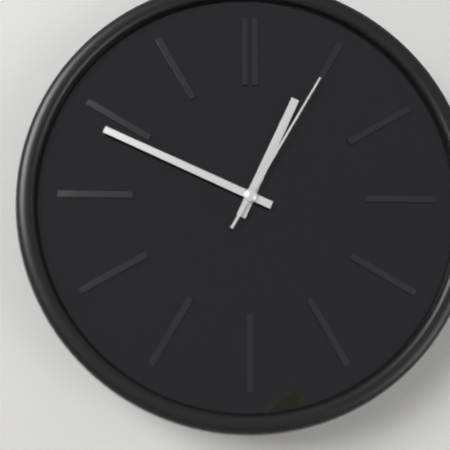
12:49:05
